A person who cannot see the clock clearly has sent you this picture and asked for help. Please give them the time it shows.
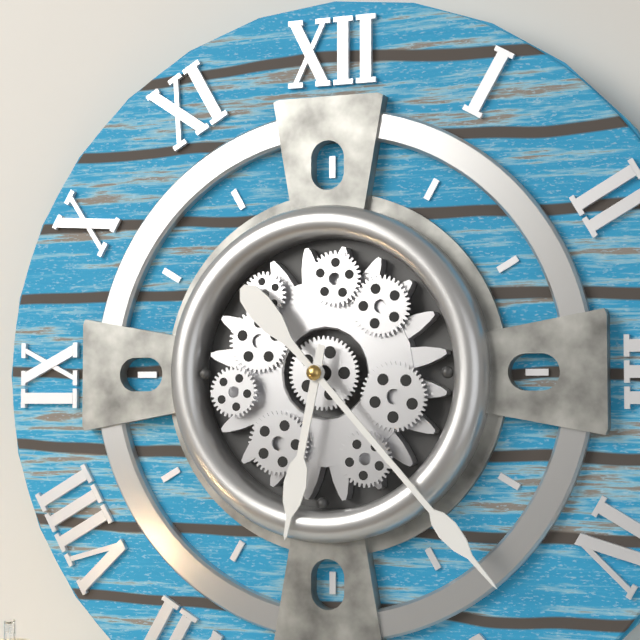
6:23
